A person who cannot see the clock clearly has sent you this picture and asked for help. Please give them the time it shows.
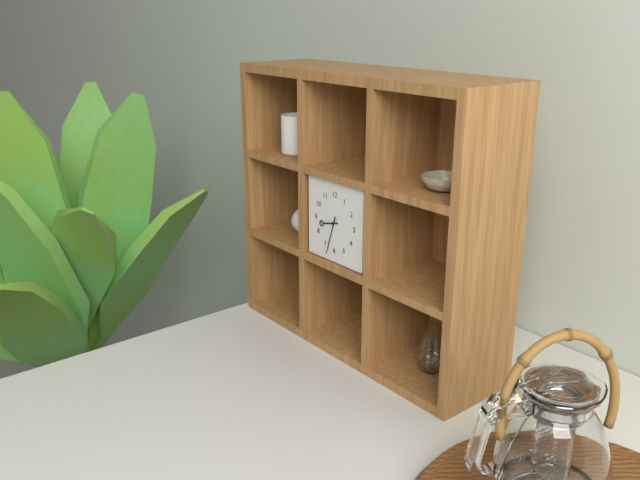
8:33
